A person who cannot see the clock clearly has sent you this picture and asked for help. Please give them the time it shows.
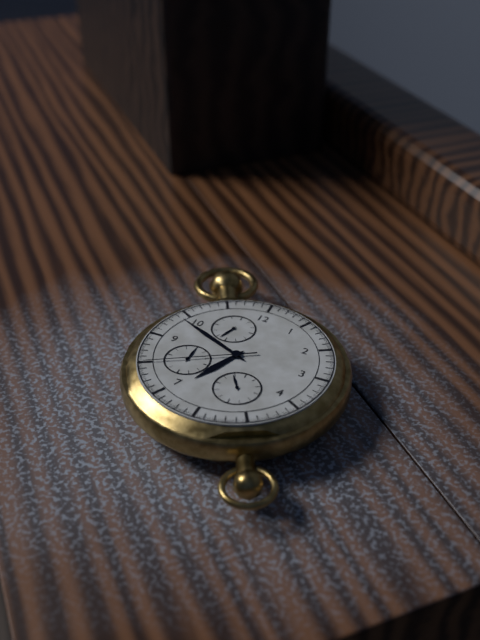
6:49:40
